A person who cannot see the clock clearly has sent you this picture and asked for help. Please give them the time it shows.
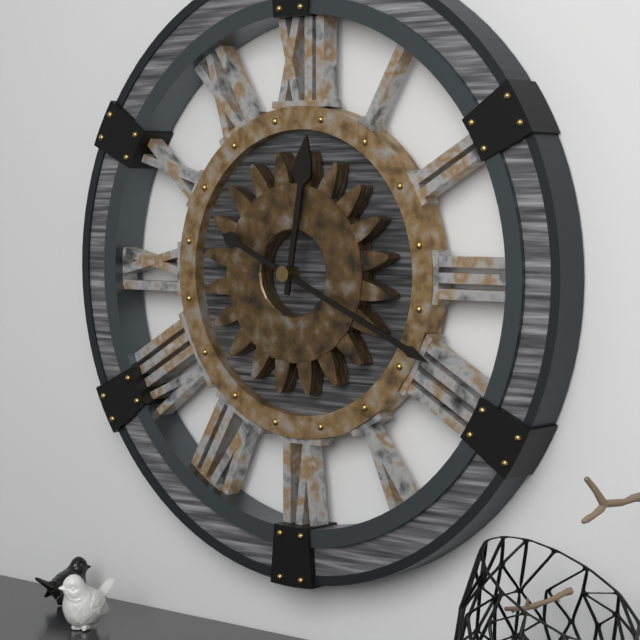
12:19
